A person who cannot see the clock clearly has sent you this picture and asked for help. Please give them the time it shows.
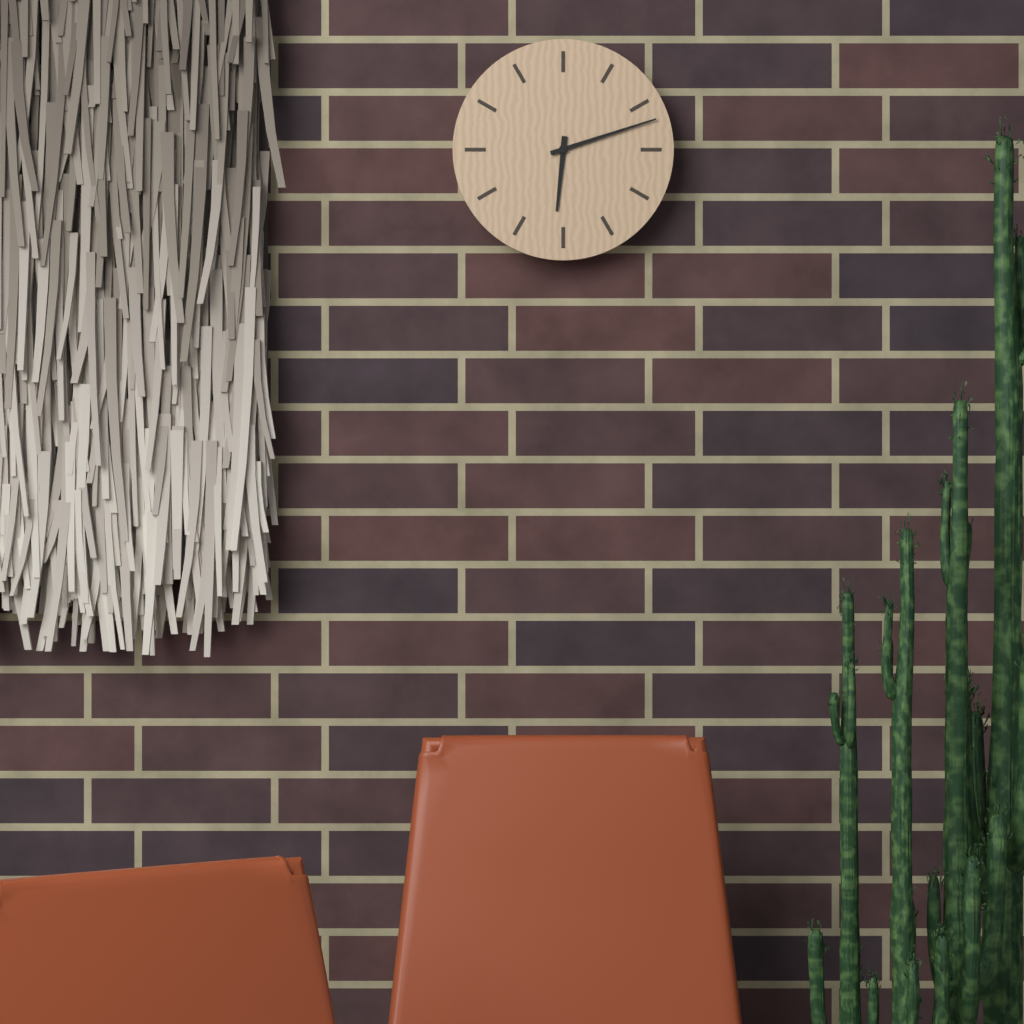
6:12
